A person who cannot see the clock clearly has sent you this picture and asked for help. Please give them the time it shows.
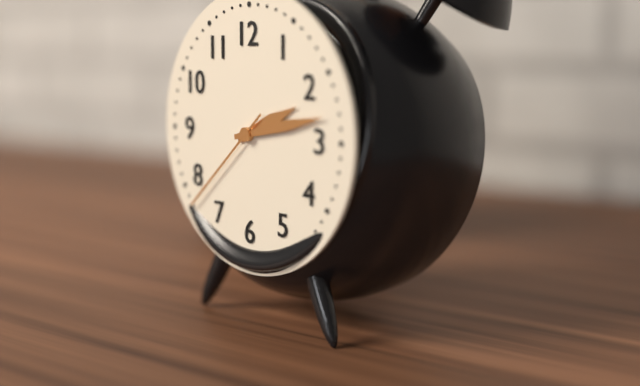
2:13:38
